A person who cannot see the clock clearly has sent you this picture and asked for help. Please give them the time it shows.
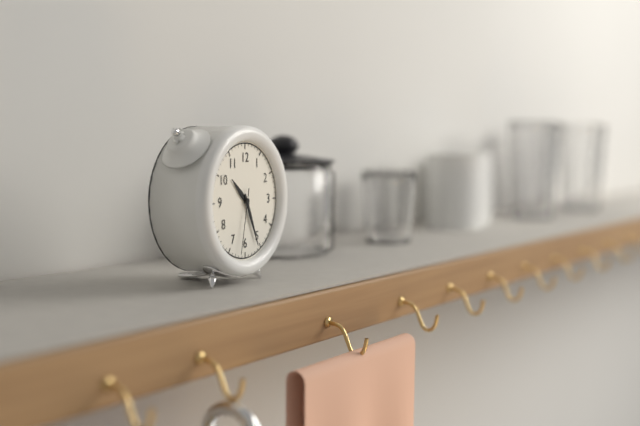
10:26:32
